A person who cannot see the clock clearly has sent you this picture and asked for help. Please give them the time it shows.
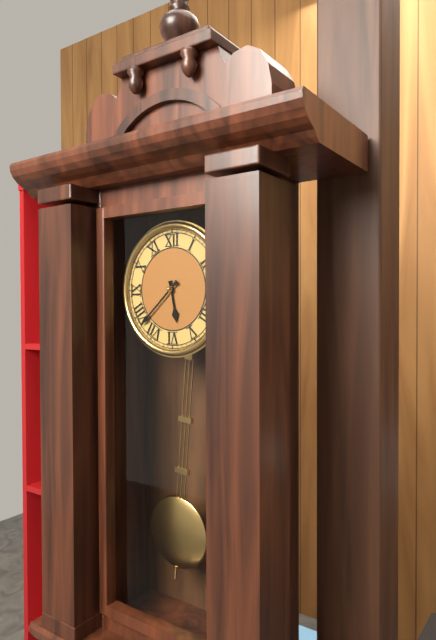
5:38
